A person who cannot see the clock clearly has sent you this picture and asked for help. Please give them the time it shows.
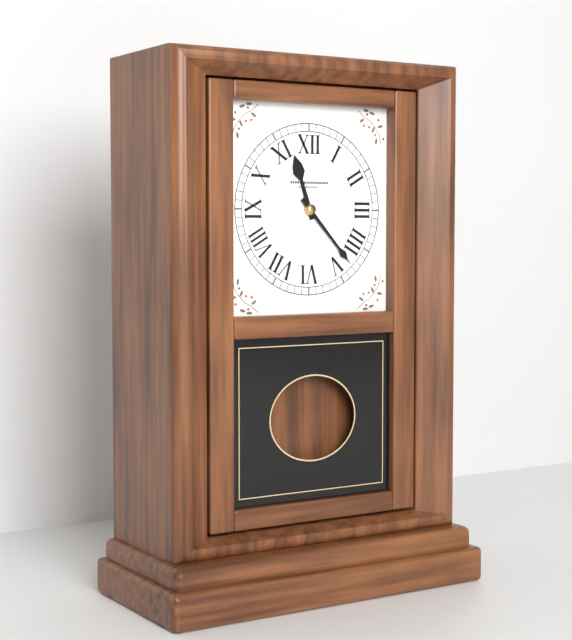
11:23
